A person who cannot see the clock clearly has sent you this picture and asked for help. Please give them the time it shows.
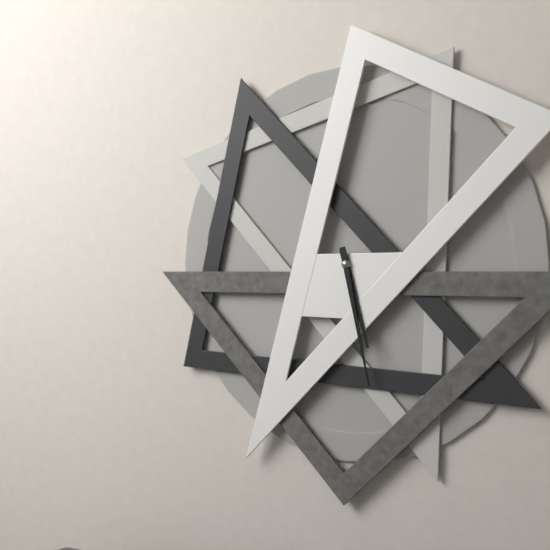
5:28
